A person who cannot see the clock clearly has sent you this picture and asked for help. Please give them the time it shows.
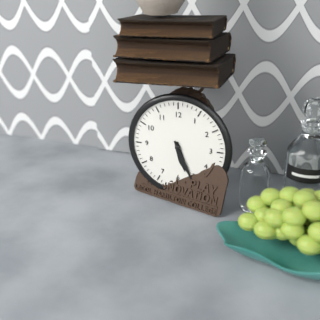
5:26
